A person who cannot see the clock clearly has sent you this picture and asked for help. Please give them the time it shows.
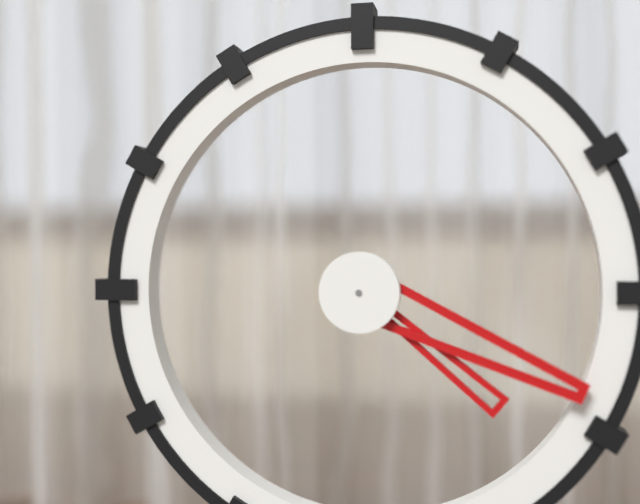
4:19
